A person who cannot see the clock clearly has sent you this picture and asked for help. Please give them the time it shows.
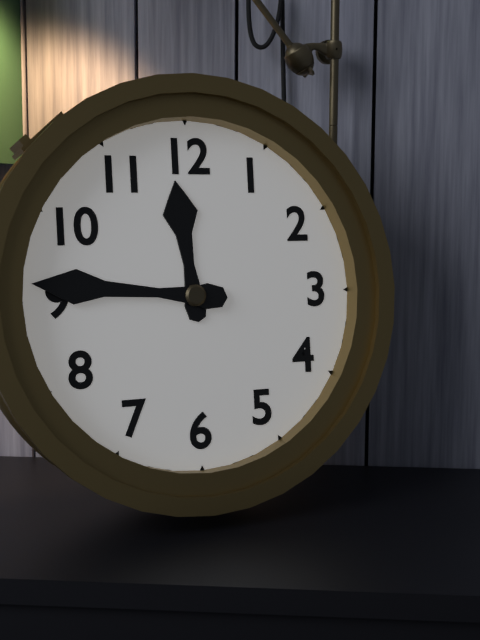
11:46
